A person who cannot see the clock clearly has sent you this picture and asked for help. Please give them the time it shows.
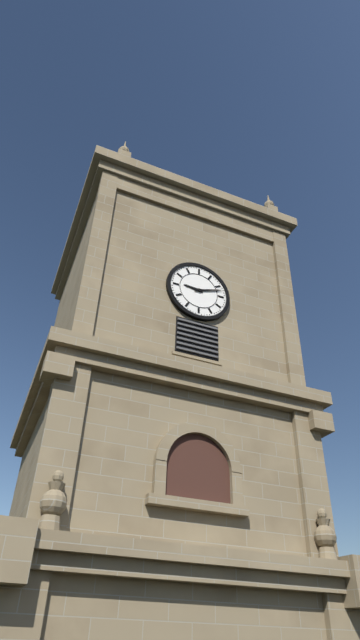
9:12
